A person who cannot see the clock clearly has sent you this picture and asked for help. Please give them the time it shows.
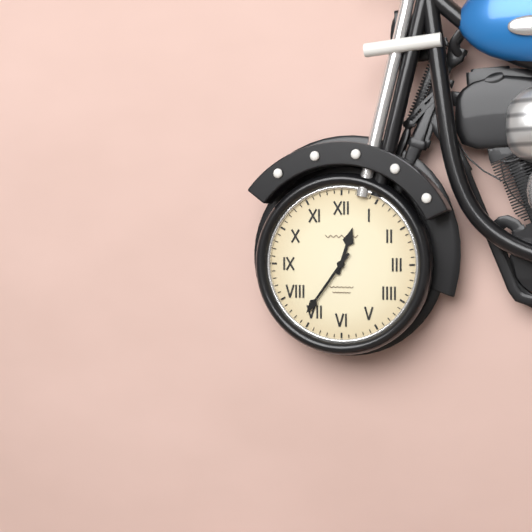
12:36
